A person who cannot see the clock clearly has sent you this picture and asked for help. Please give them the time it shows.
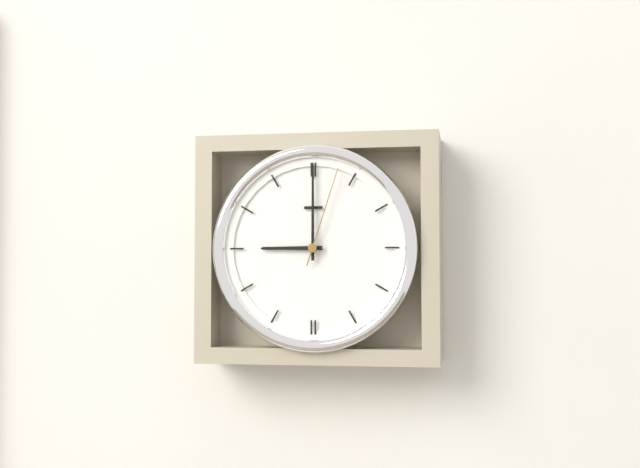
9:00:03
